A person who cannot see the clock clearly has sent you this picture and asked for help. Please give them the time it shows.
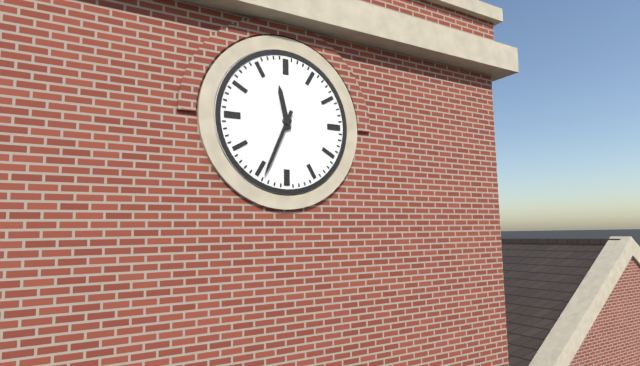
11:34
